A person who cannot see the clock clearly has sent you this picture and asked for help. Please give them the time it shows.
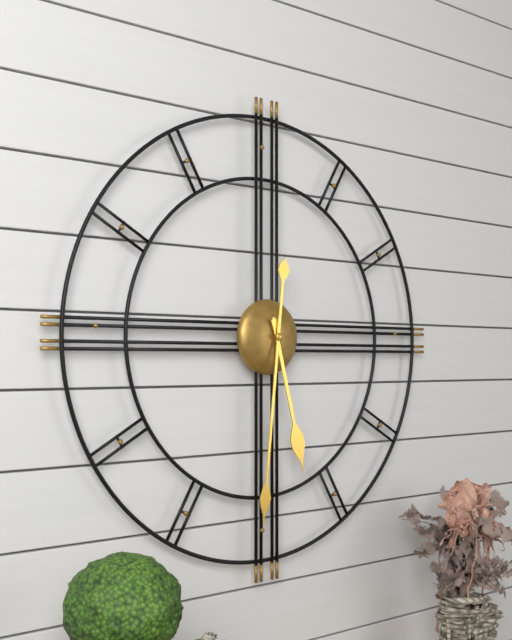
5:31
